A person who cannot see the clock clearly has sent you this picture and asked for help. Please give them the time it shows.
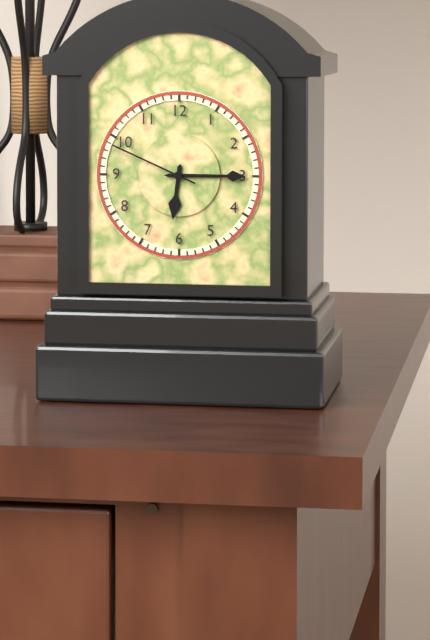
6:15:49
